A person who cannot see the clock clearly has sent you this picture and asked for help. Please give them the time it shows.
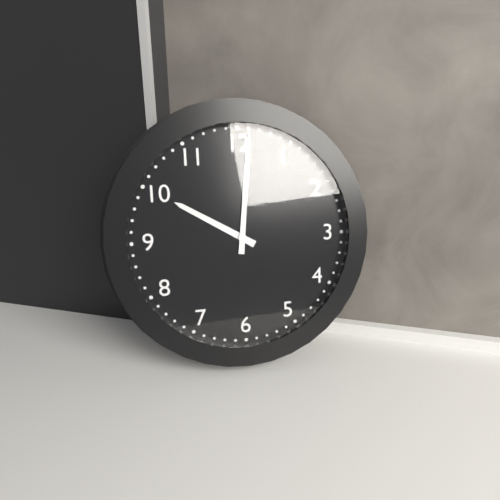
10:01
